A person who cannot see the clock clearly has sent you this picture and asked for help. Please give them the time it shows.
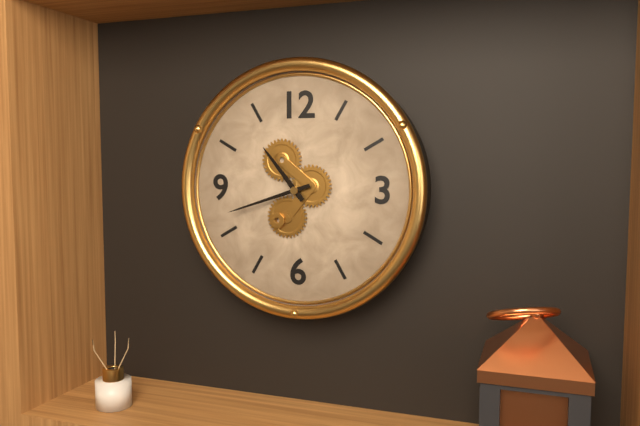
10:42
